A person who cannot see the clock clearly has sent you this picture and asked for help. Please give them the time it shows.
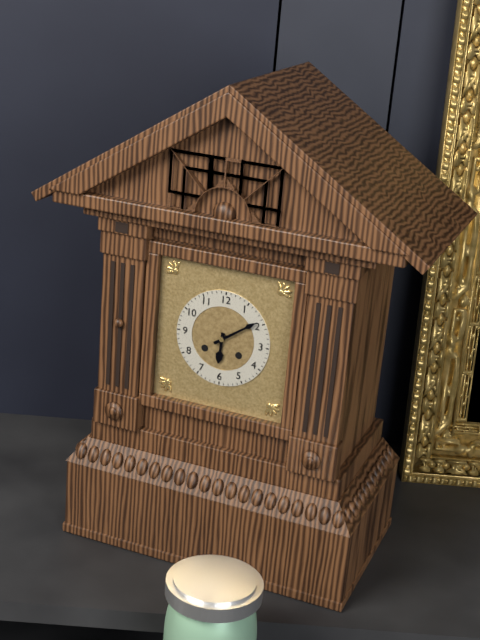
6:09
